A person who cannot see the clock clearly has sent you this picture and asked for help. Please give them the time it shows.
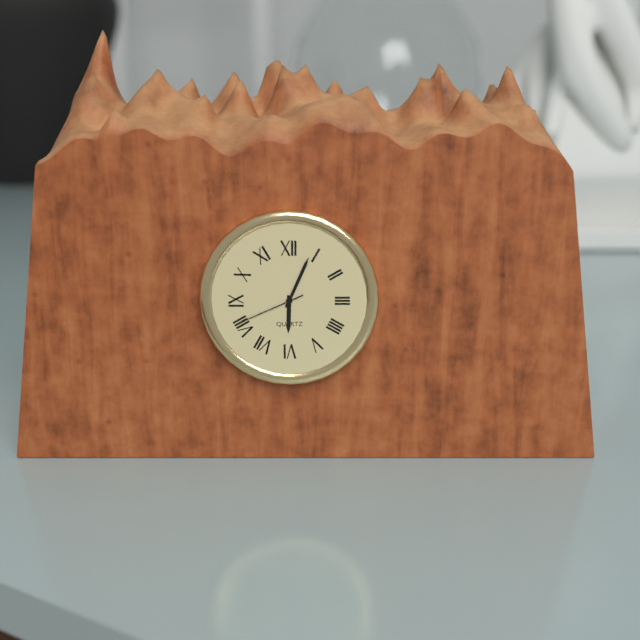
6:04:41
